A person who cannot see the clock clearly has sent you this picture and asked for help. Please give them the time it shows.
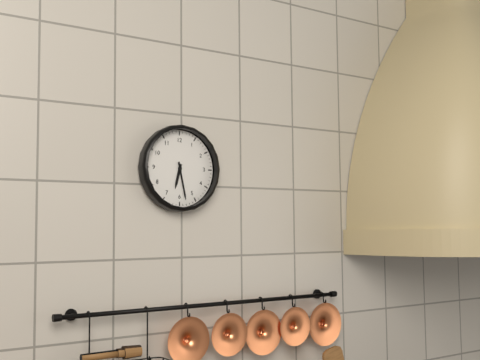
6:28
